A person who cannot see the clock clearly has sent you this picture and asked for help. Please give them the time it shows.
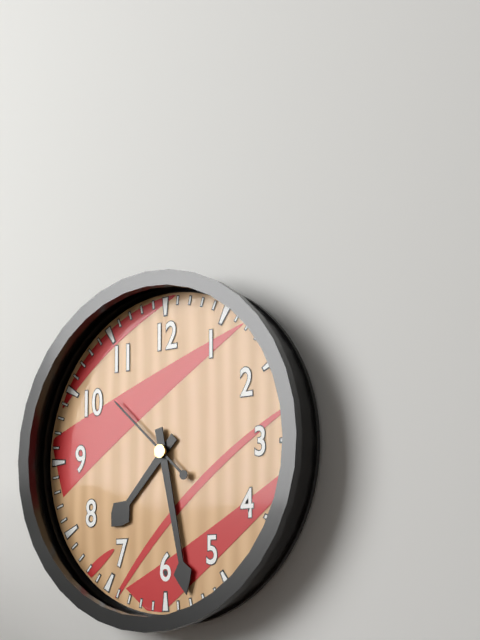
7:28:52
